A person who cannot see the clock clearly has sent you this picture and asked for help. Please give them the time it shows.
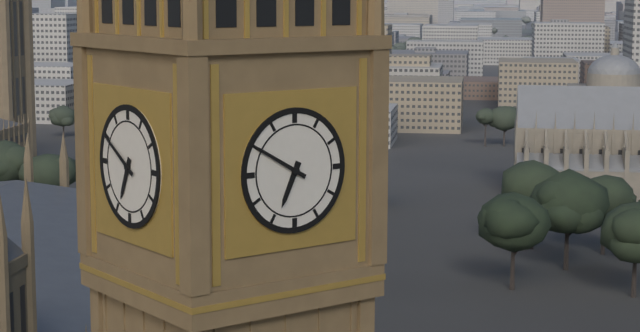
6:50
